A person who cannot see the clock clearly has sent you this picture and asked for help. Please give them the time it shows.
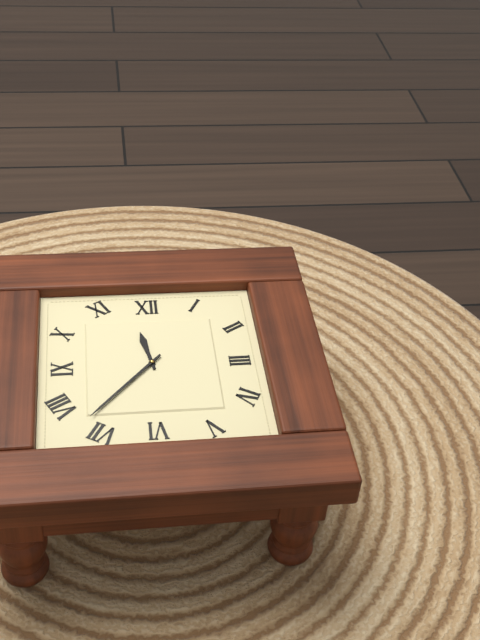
11:37
